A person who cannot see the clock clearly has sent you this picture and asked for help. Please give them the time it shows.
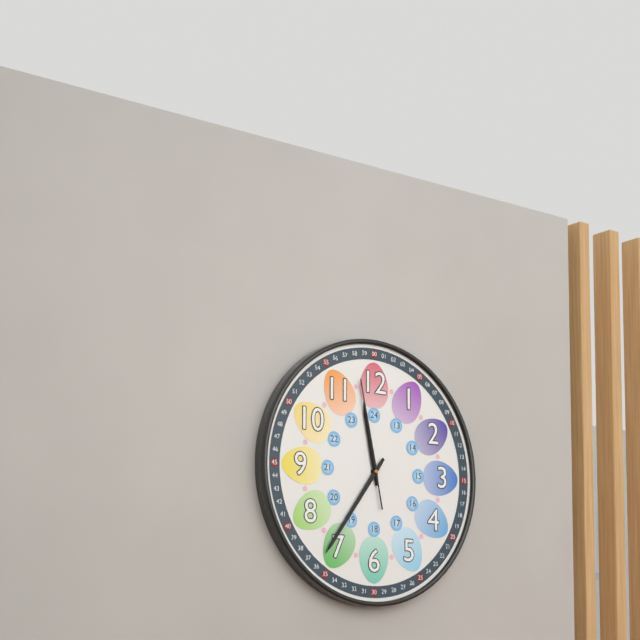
11:36:58
